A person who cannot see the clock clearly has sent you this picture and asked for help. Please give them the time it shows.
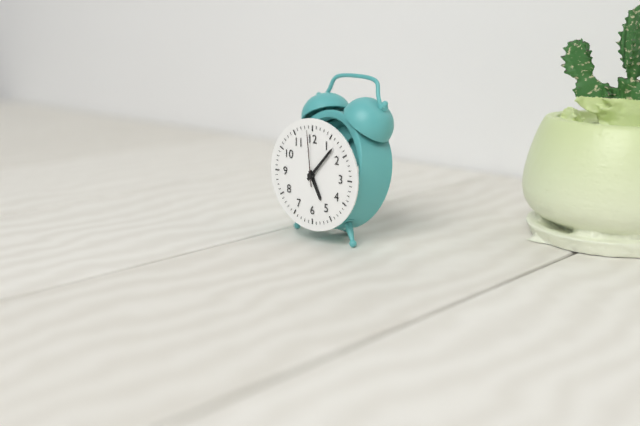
5:07:59
